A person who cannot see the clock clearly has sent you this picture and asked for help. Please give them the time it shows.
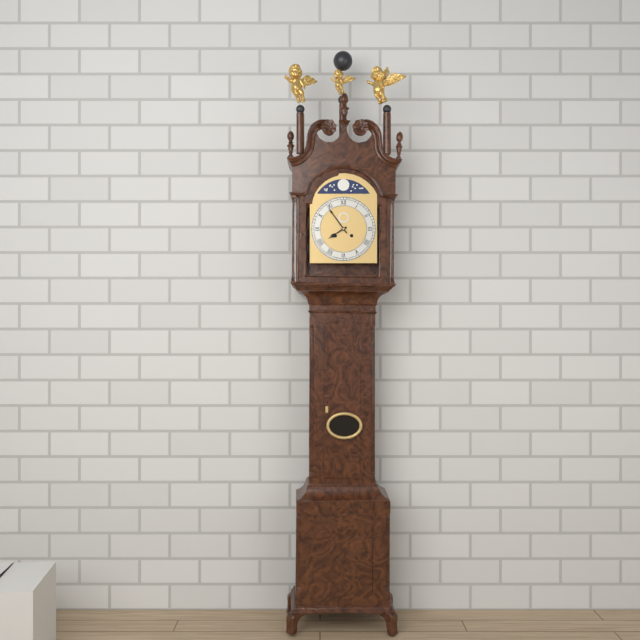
7:54
